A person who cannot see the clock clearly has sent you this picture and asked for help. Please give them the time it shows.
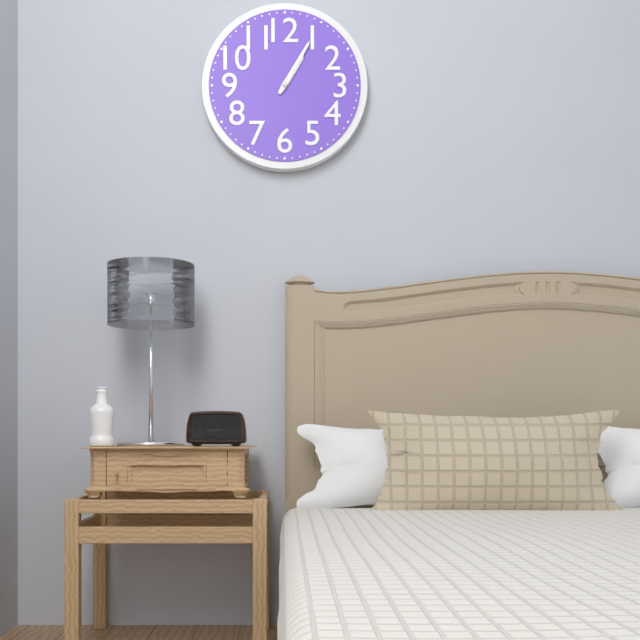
1:05
